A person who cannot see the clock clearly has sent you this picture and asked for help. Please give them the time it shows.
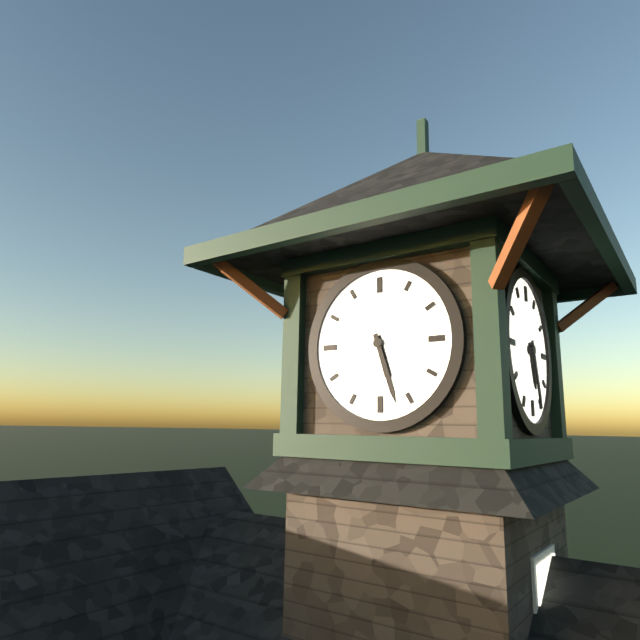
5:27
